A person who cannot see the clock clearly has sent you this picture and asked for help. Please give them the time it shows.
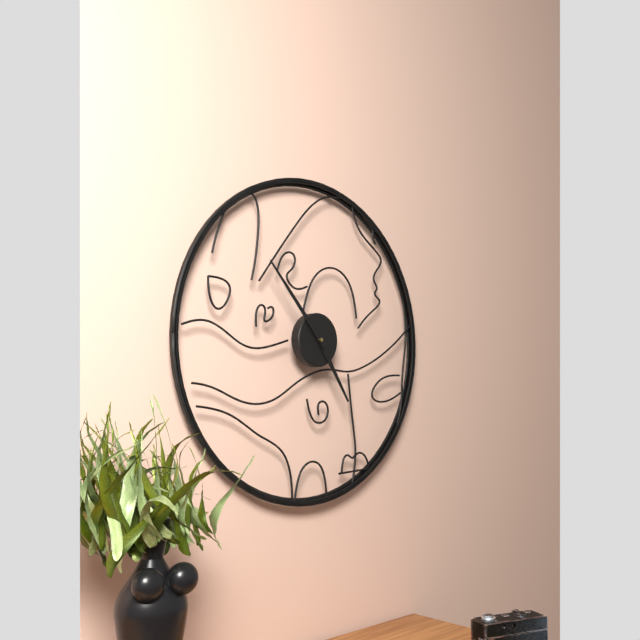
4:53
